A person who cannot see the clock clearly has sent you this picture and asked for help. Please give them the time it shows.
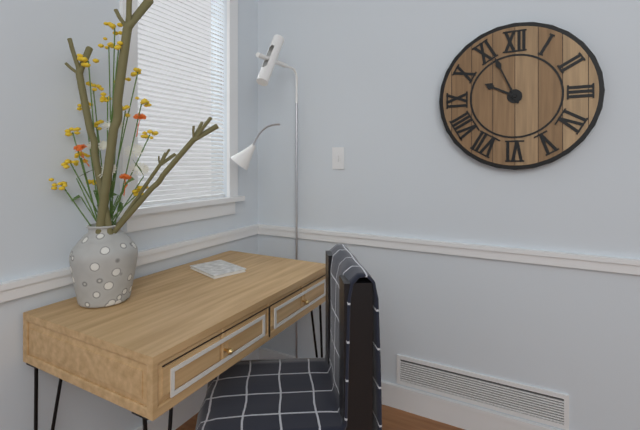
9:56
